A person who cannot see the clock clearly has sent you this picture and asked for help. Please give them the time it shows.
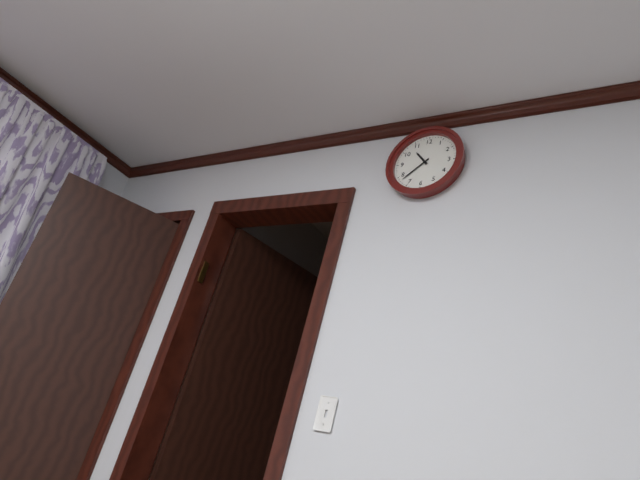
10:38
